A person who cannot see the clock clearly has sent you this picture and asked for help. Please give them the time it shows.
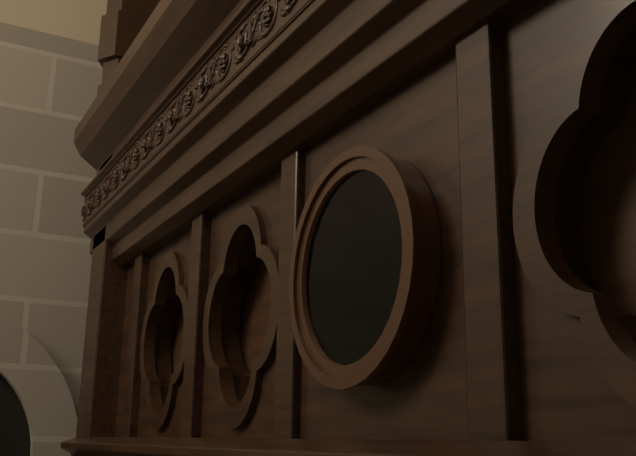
2:54
